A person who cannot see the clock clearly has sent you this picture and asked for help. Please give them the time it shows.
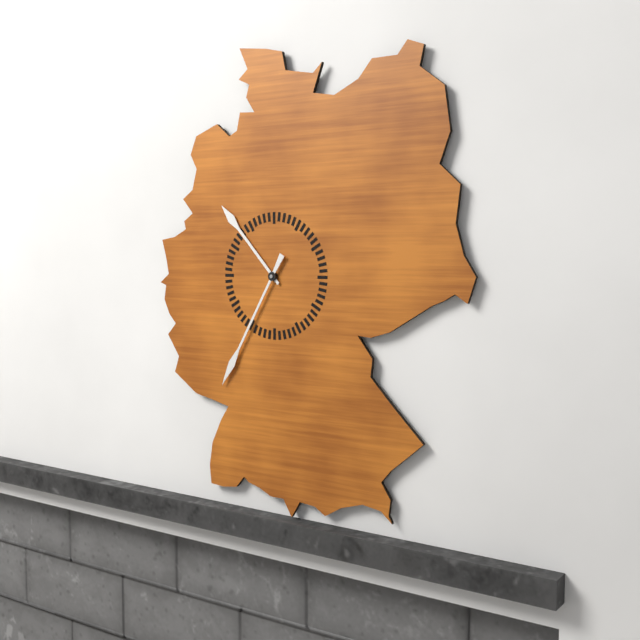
10:35
